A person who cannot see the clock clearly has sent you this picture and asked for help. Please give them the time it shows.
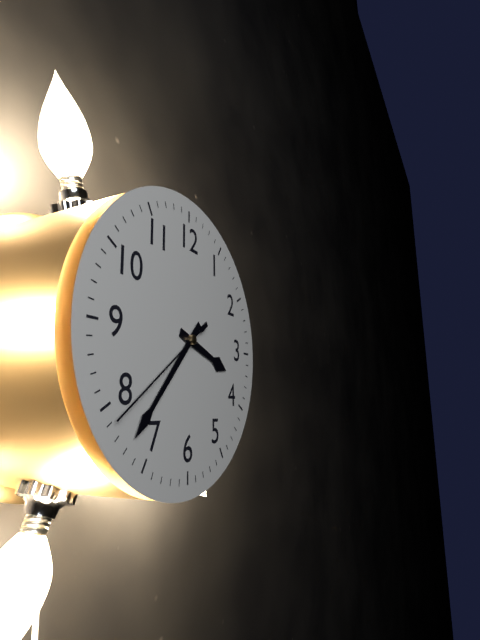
3:37:39
